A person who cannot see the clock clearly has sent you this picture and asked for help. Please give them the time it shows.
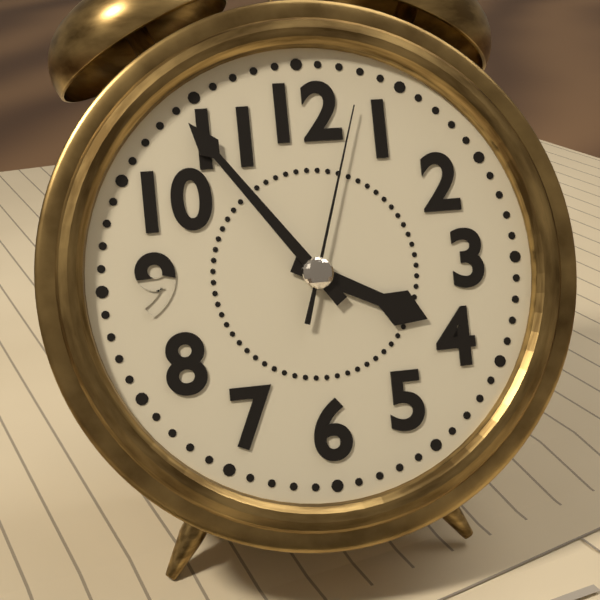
3:54:03
